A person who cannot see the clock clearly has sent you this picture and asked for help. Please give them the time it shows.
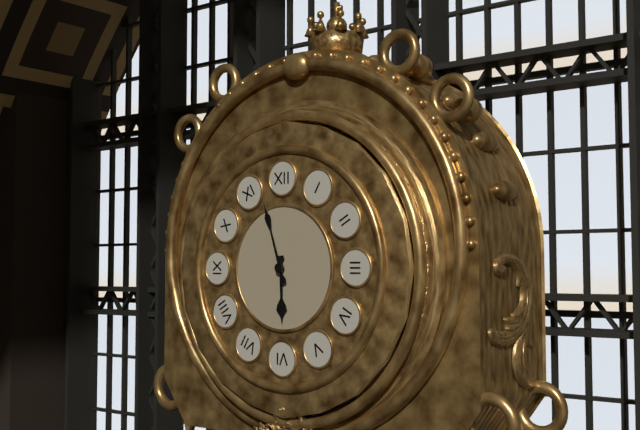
5:57
